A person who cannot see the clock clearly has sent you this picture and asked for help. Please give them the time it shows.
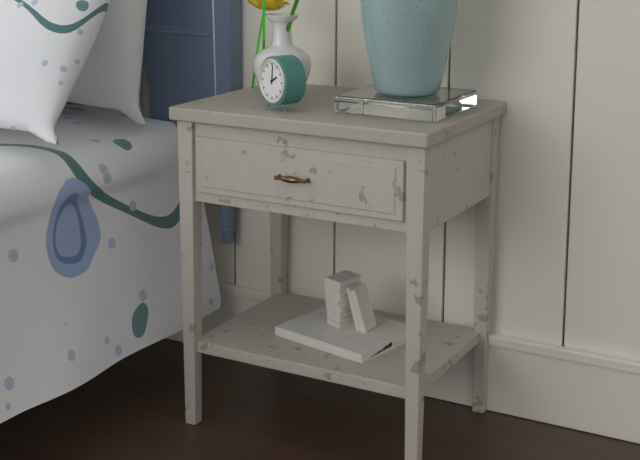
2:01
